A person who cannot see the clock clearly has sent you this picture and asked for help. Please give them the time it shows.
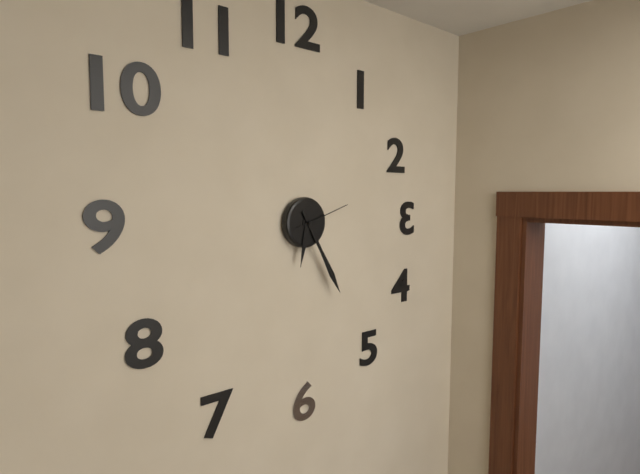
6:25:12
